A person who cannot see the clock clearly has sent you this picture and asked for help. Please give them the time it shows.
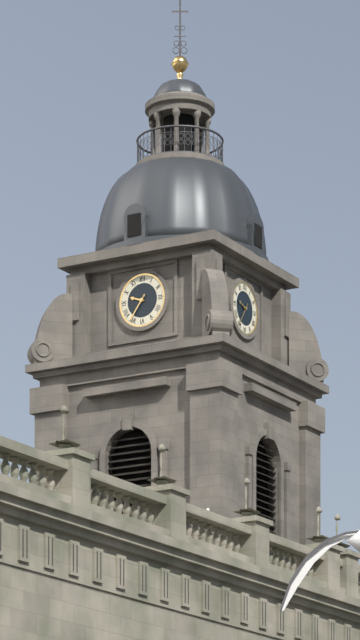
9:36
